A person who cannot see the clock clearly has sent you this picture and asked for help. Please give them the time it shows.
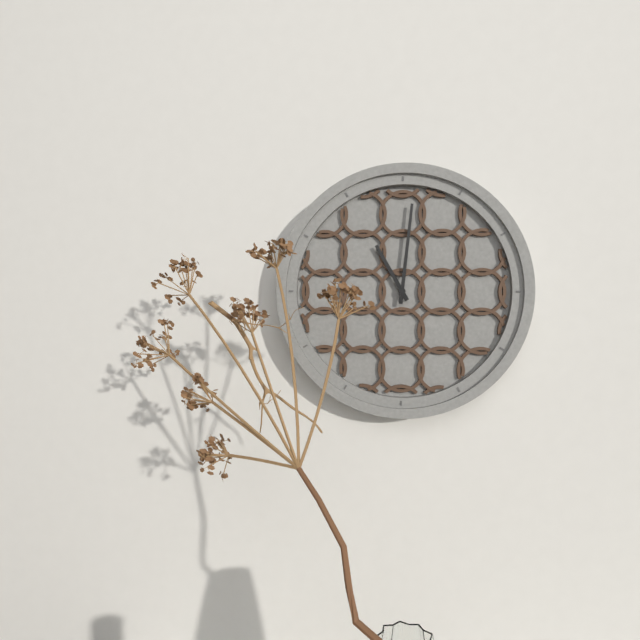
11:01
